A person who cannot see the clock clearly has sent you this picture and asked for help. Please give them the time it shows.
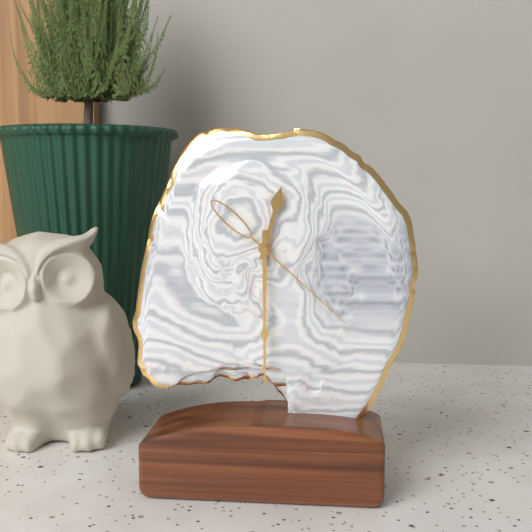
12:30:22
